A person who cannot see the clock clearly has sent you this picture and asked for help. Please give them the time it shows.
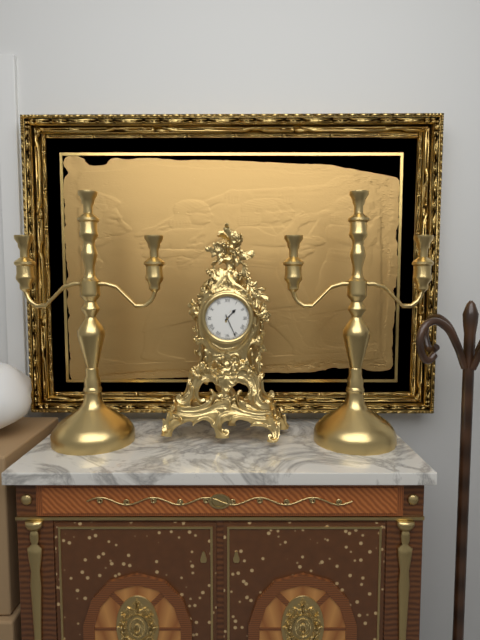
1:26
